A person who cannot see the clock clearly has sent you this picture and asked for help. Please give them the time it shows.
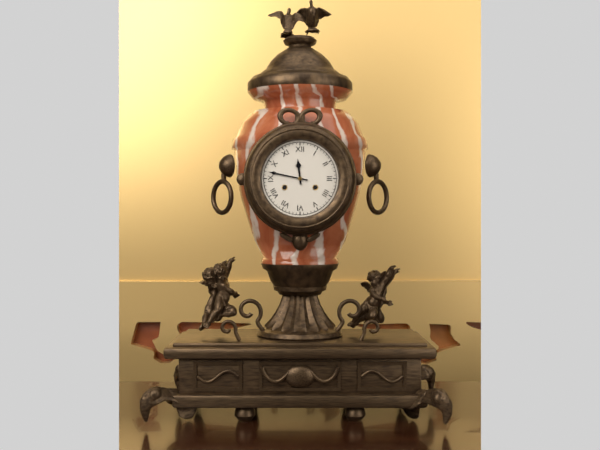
11:47
